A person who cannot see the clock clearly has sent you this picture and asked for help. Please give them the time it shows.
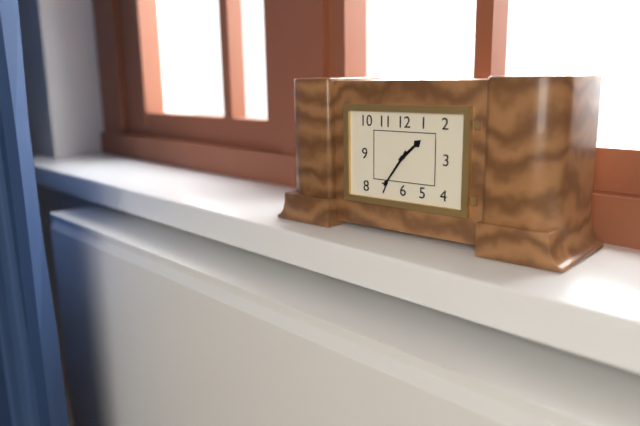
1:36
